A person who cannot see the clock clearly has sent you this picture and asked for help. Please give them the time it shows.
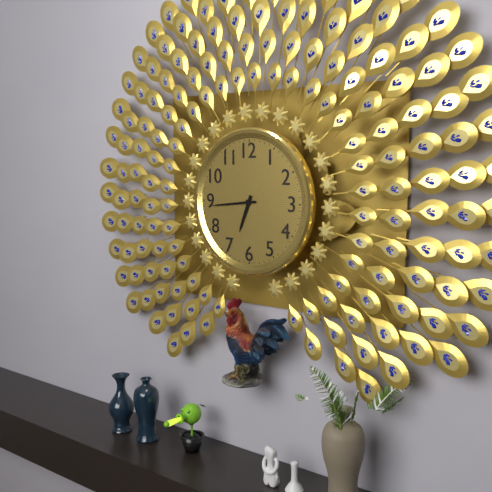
6:44
